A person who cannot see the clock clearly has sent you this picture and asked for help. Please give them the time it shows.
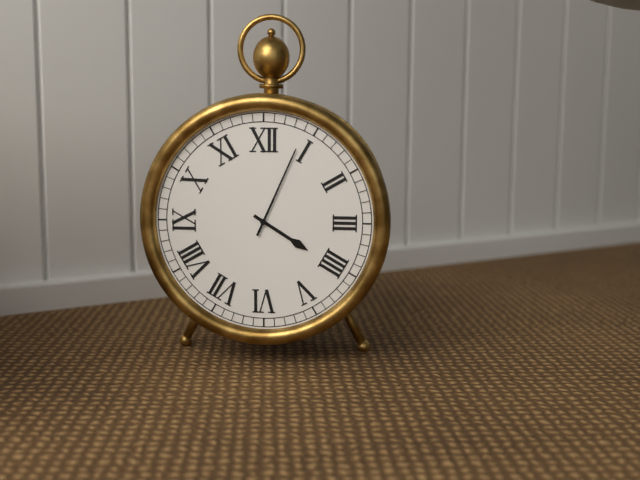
4:04
